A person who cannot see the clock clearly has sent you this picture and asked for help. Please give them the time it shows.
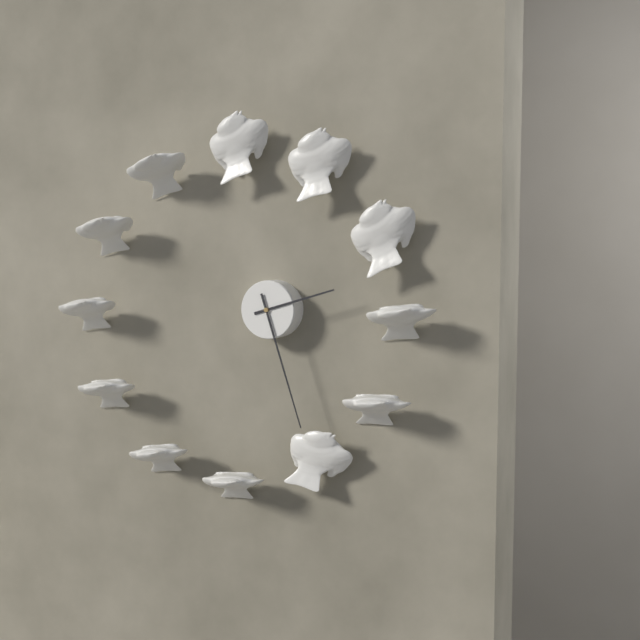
2:27
